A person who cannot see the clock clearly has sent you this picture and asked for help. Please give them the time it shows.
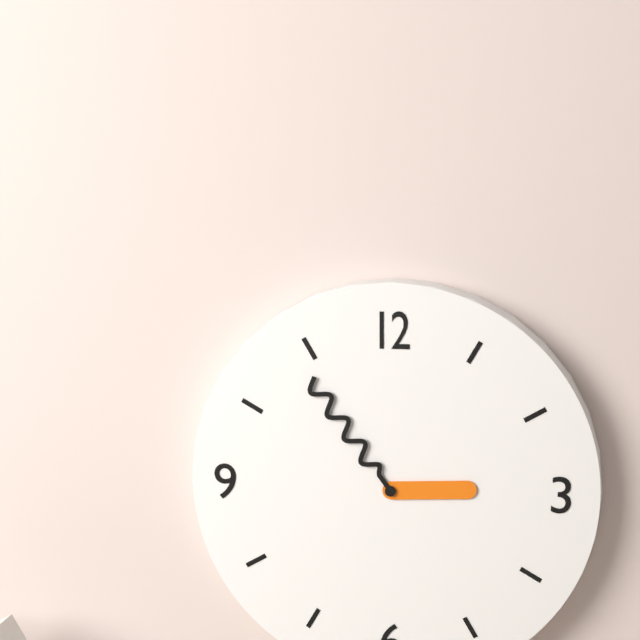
2:54
